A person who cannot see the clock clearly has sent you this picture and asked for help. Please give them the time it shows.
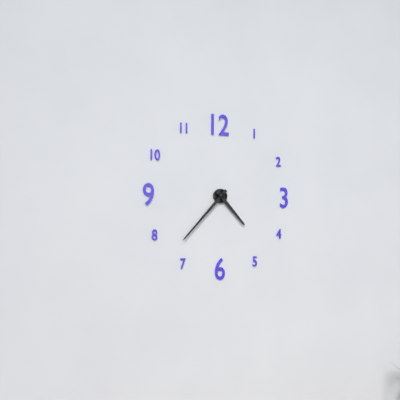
4:37
